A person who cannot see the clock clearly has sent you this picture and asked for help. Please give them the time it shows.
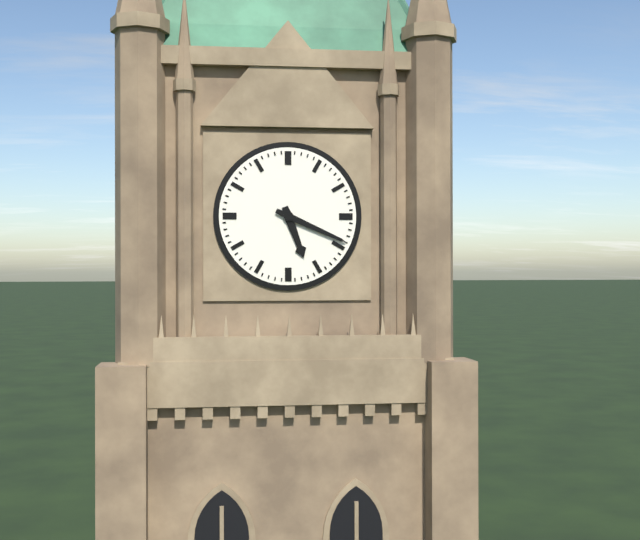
5:19
